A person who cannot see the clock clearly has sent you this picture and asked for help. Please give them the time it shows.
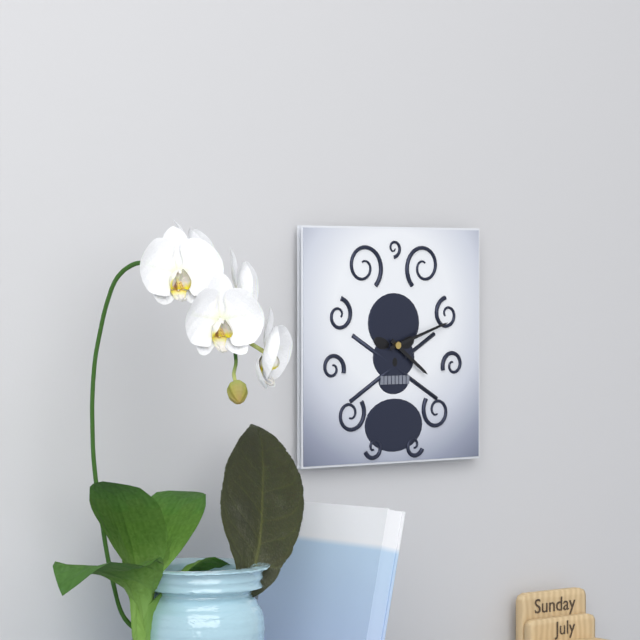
4:12
